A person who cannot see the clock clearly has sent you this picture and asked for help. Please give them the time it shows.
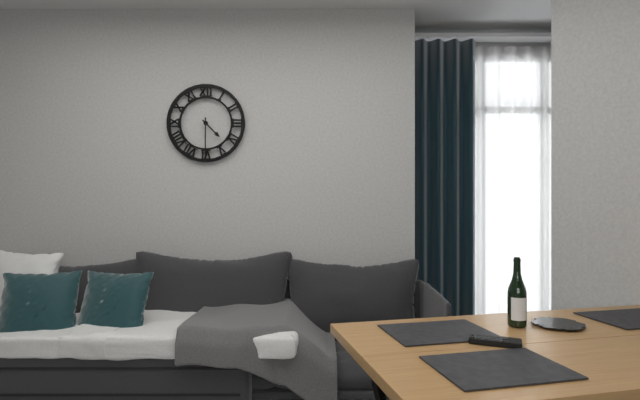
4:30
